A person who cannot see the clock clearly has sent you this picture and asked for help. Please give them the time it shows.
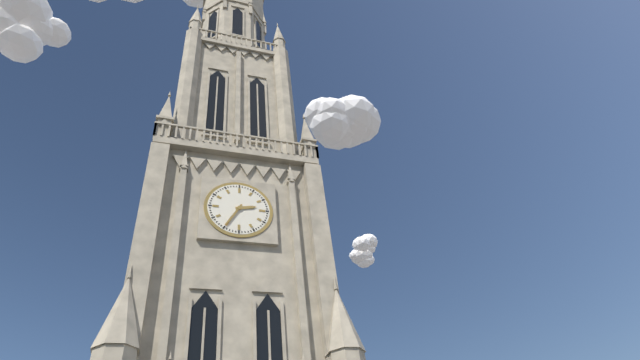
2:35
